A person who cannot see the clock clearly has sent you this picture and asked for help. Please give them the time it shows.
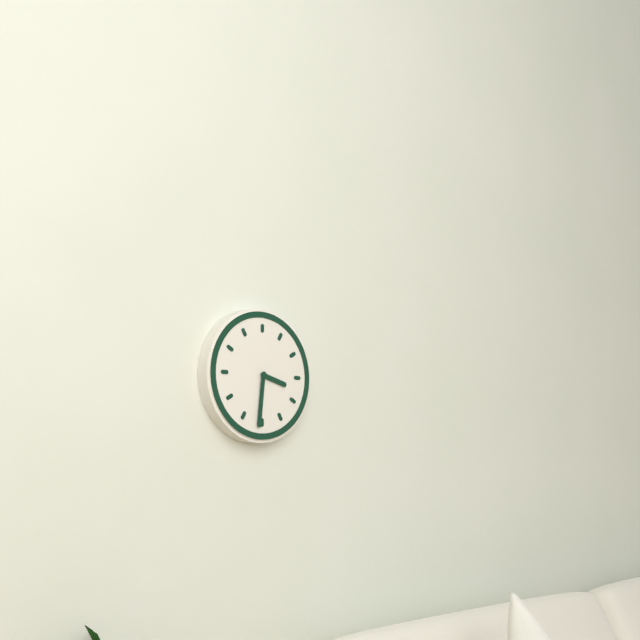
3:31
